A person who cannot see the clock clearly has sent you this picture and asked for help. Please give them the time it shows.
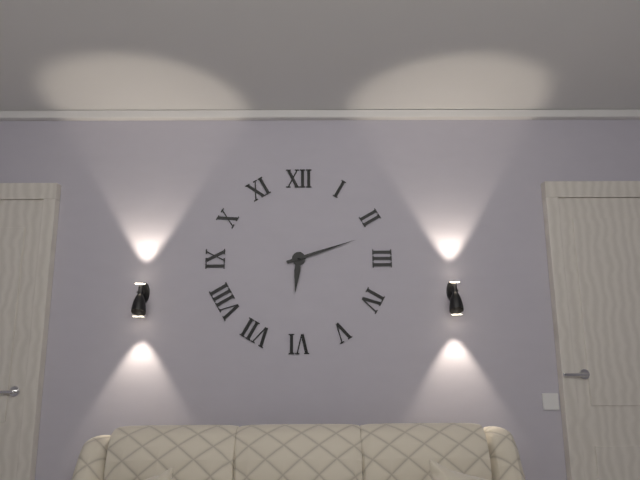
6:12
